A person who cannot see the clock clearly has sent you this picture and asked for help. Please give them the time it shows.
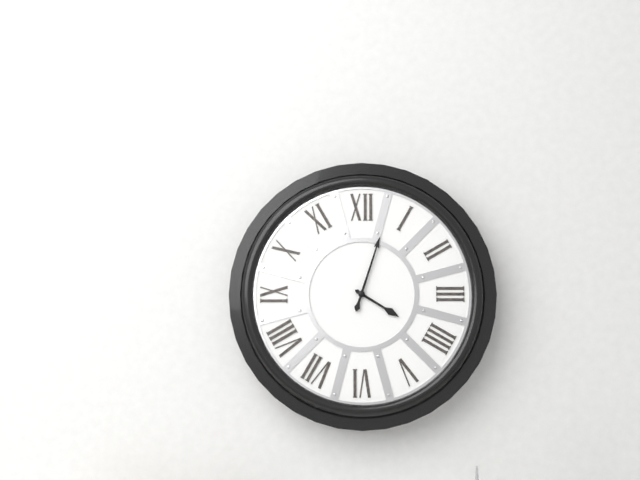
4:03
